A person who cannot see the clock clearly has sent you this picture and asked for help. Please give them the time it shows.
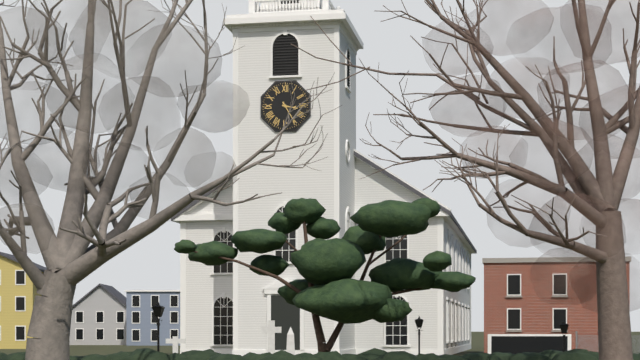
3:25
